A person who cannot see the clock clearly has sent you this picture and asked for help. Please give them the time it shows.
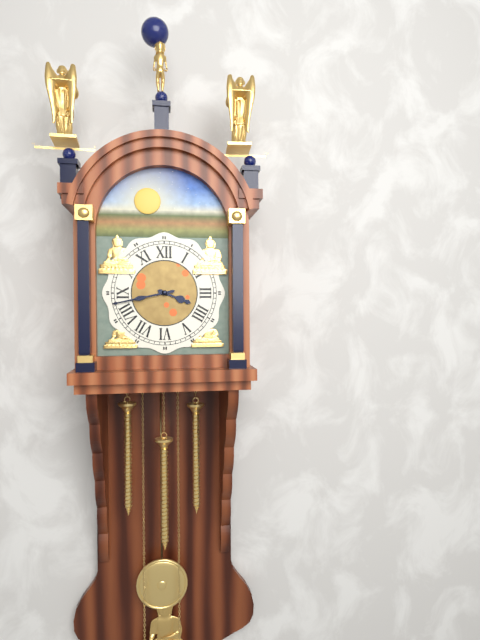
3:43
